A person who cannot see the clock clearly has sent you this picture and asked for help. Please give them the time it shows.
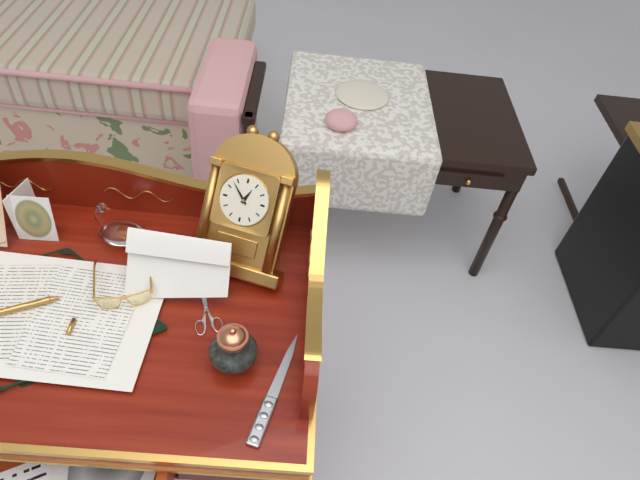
12:53
